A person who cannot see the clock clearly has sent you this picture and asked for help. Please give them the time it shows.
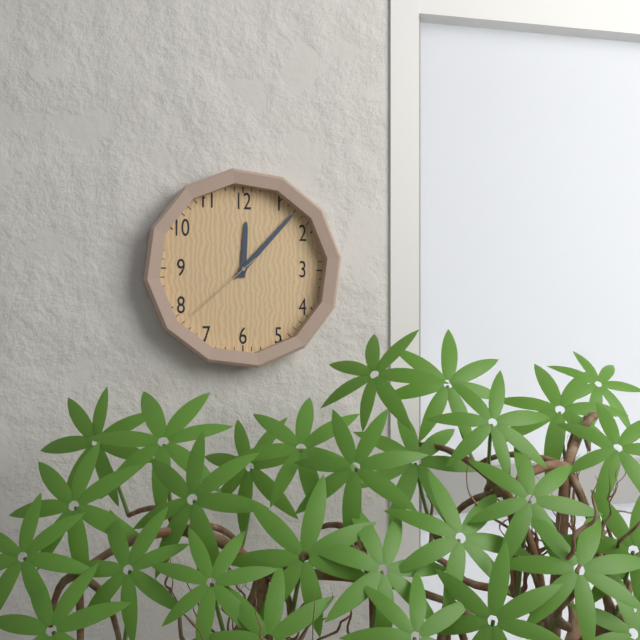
12:07:38
